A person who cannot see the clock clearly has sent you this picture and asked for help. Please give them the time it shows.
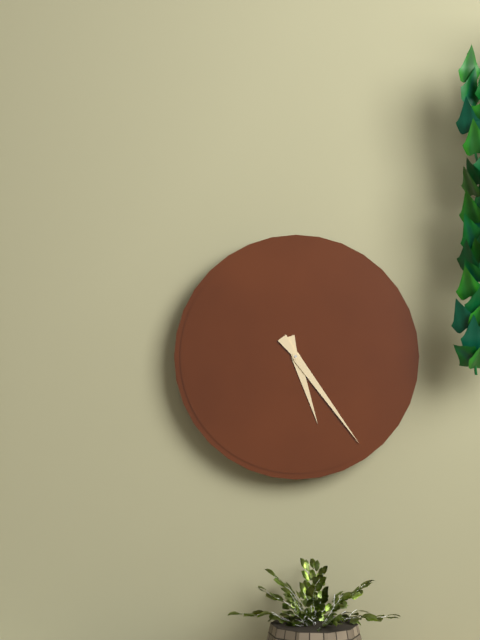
5:24
